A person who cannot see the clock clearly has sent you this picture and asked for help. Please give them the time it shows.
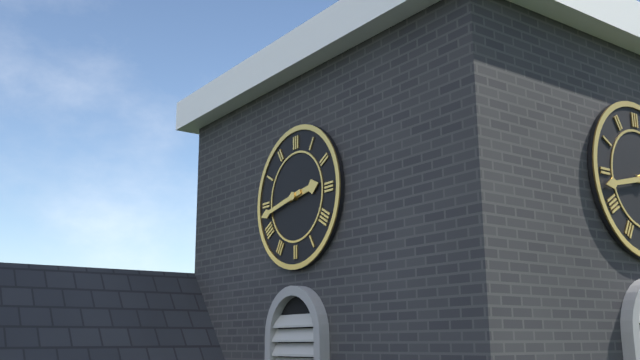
2:43
